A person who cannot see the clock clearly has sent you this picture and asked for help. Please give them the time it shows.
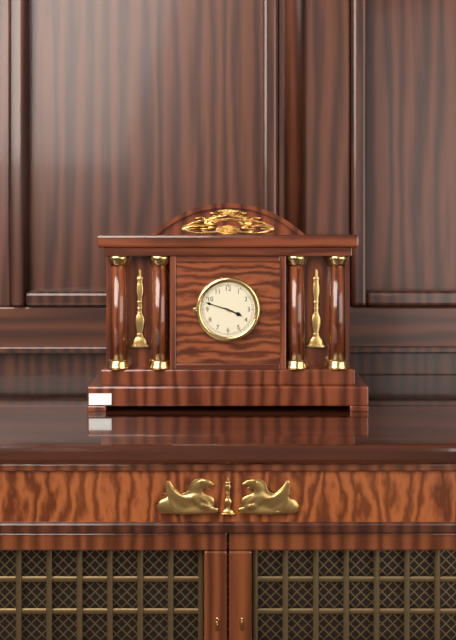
3:48
